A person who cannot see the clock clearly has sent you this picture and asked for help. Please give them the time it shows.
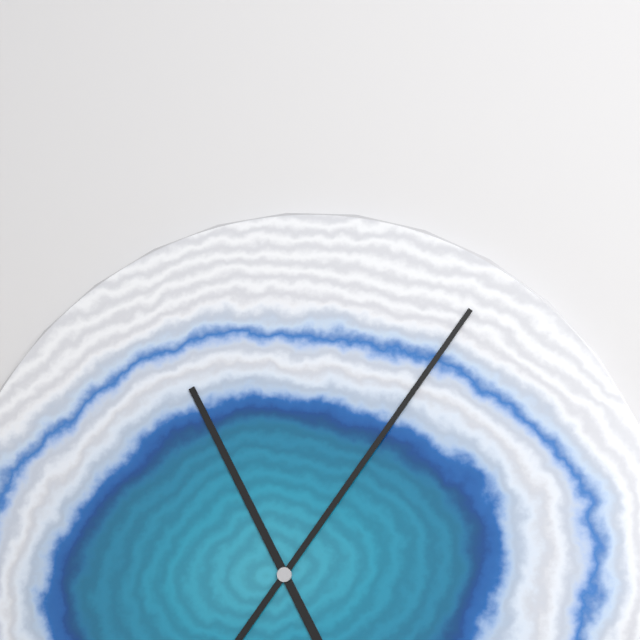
11:06
